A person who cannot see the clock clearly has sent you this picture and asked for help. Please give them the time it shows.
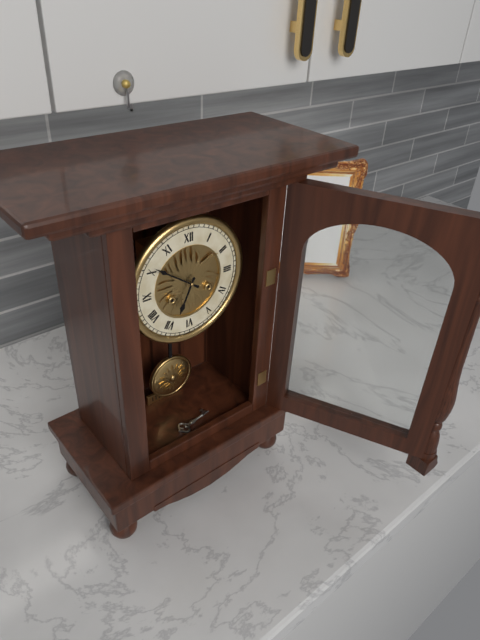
6:51
